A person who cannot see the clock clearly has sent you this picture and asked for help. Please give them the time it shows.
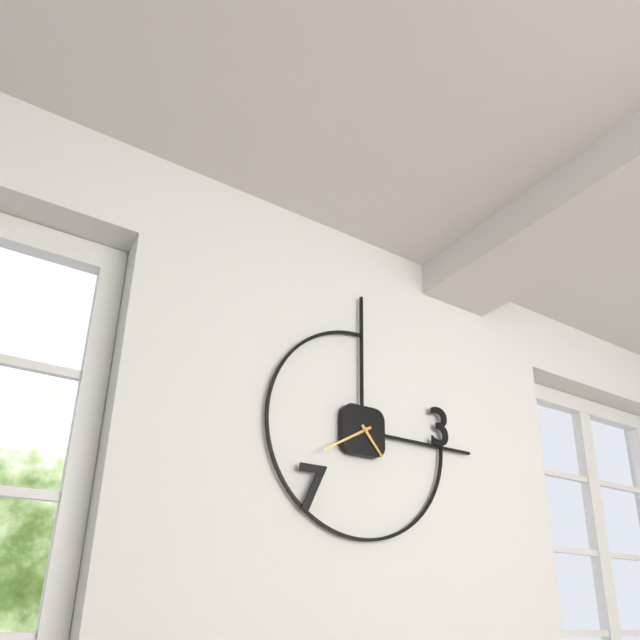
4:40
